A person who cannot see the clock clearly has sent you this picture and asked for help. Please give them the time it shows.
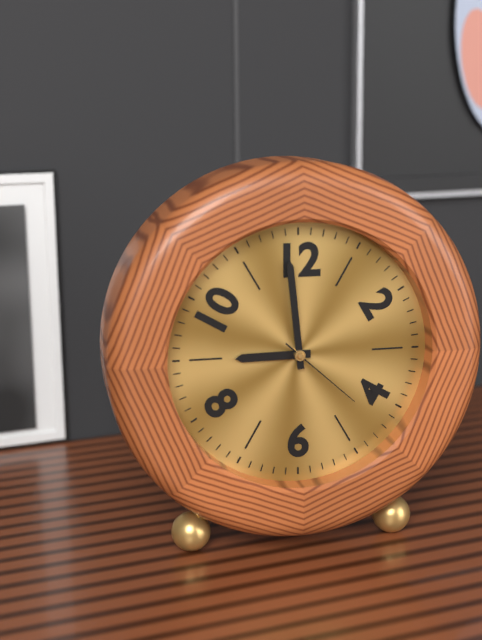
8:59:22
